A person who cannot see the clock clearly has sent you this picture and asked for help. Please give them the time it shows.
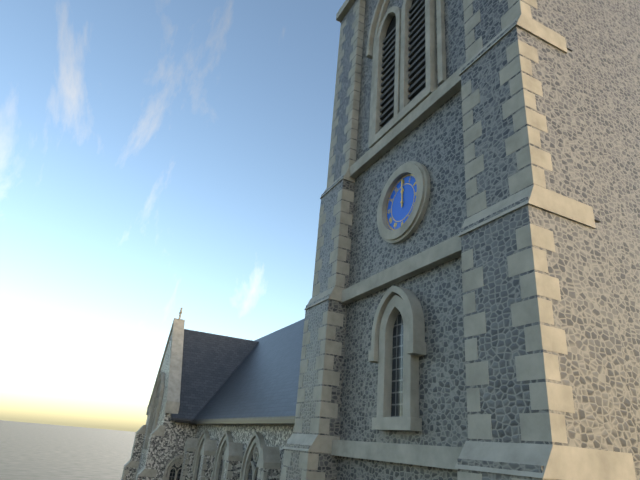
12:00
